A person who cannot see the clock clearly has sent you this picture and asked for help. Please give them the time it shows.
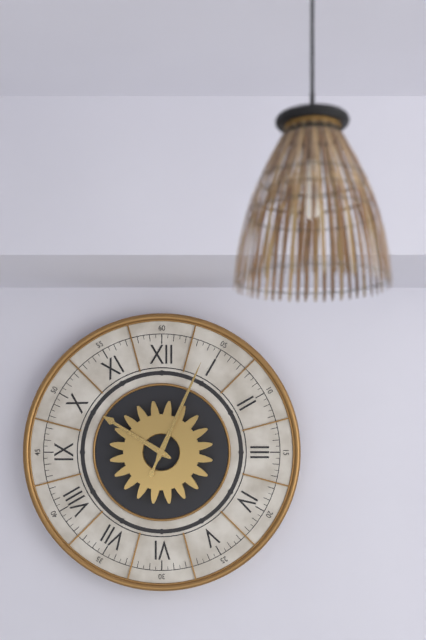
10:04
